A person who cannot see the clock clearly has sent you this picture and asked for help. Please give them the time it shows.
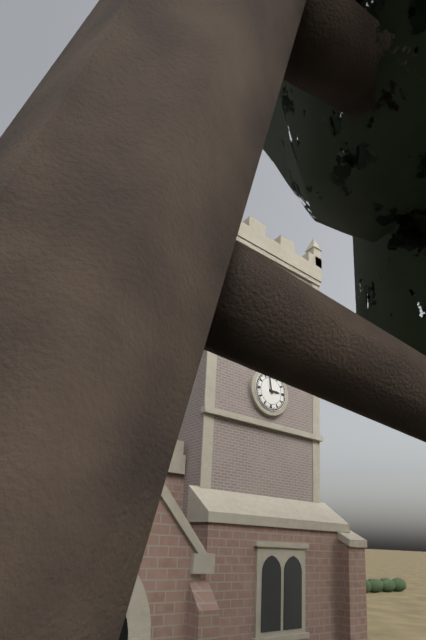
2:58
